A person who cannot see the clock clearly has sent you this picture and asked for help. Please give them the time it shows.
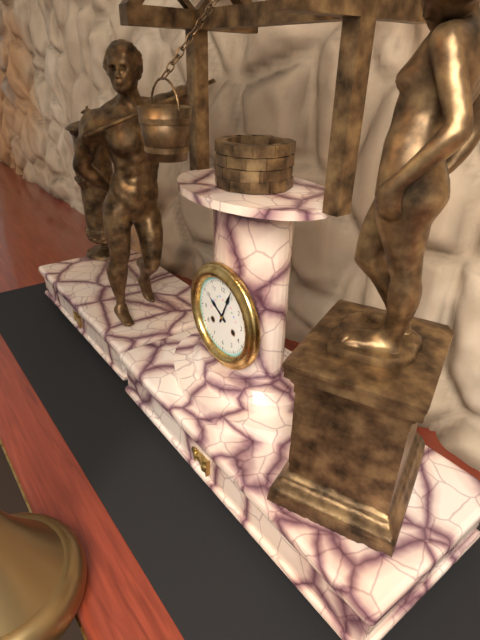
10:04
